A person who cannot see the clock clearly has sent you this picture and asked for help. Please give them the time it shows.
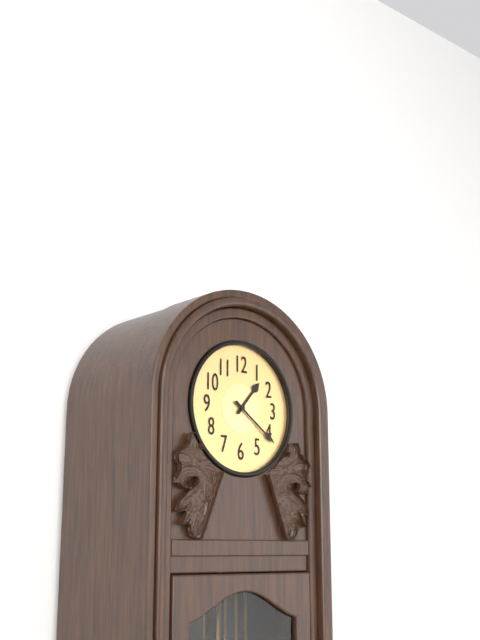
1:21
